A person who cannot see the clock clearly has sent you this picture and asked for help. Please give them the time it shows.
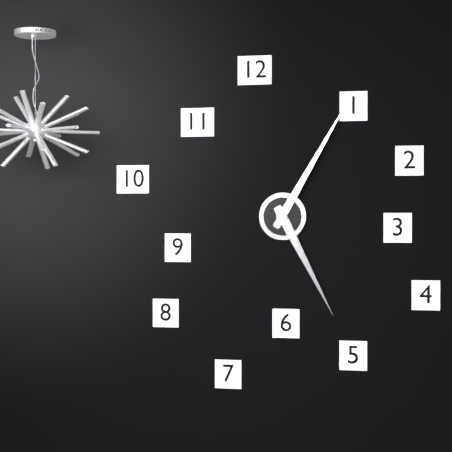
5:05
